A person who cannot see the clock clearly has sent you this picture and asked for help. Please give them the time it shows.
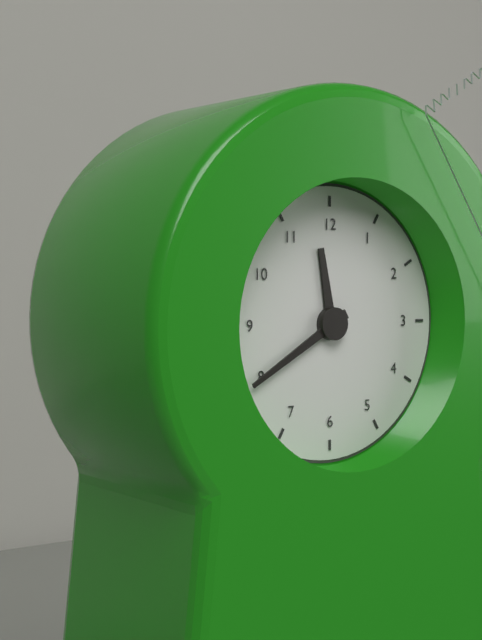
11:40
